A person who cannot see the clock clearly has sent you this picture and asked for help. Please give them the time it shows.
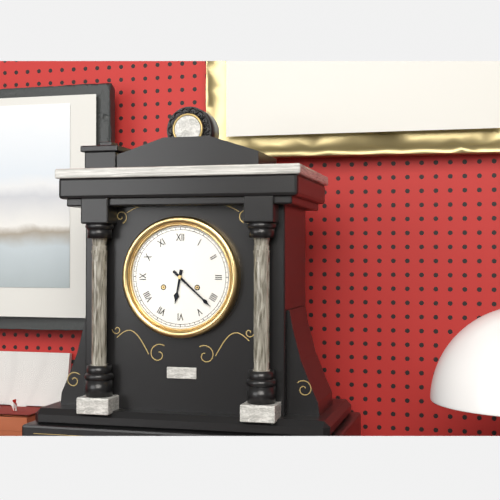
6:22
